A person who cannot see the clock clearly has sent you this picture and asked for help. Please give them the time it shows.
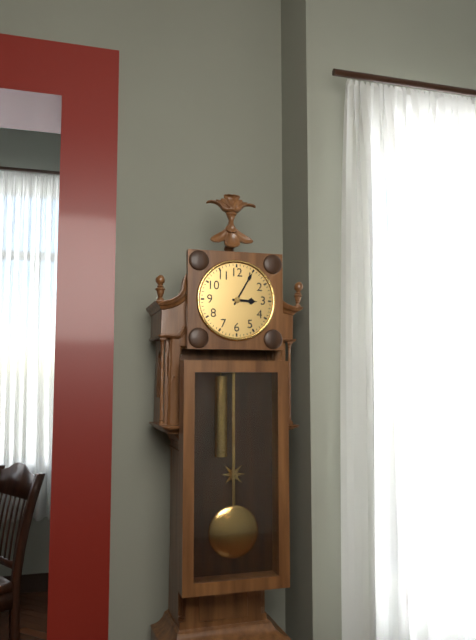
3:05
